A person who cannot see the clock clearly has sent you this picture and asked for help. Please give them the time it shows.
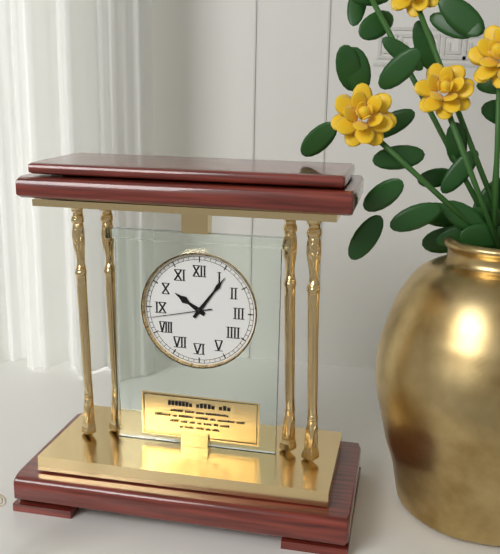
10:06:43
